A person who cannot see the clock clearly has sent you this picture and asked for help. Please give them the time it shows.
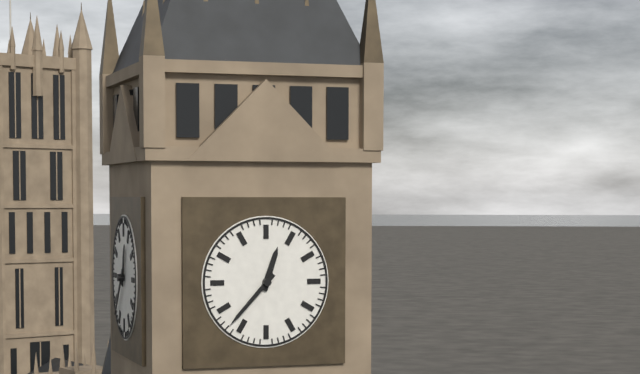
12:37
